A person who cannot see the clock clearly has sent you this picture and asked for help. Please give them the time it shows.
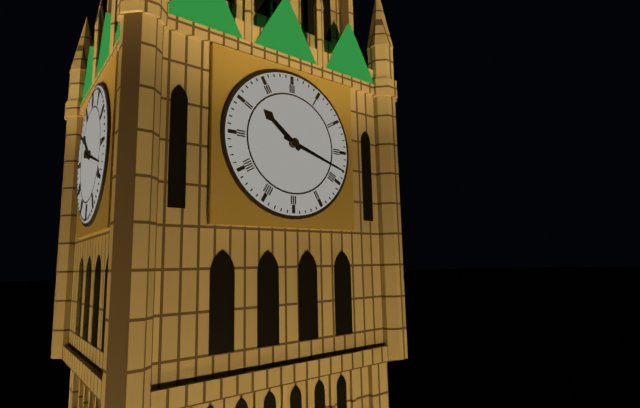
10:18
